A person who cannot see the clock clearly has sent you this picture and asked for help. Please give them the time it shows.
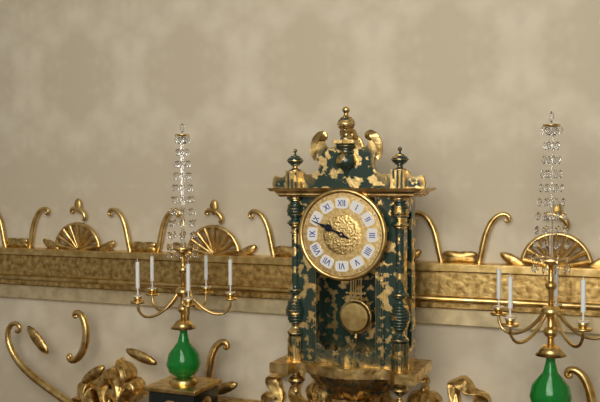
9:49
